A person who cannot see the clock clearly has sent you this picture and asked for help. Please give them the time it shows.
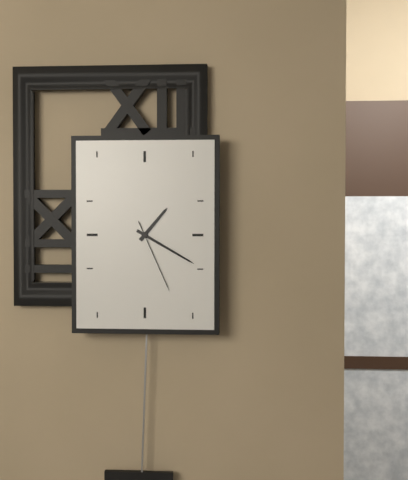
1:20:26
